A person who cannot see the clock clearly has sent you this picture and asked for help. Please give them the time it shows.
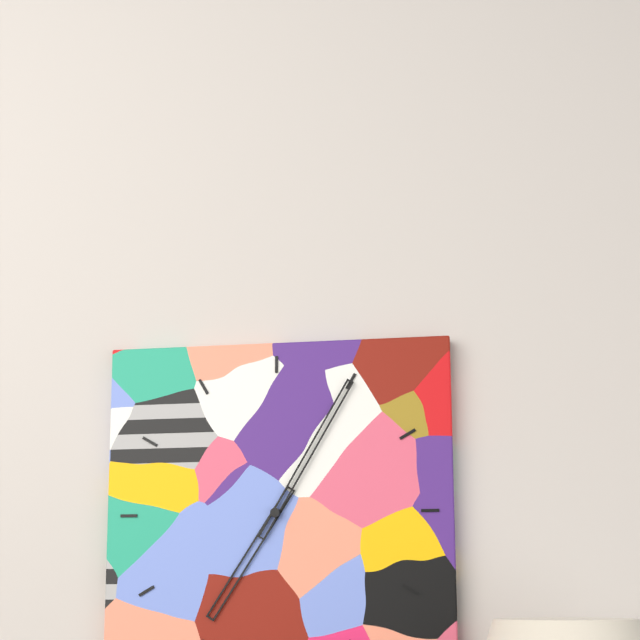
7:05
